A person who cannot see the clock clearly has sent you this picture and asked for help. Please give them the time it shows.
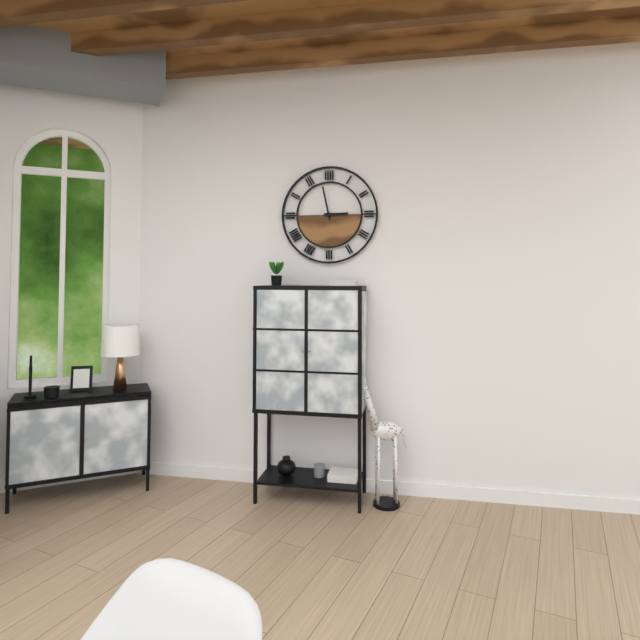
2:58
